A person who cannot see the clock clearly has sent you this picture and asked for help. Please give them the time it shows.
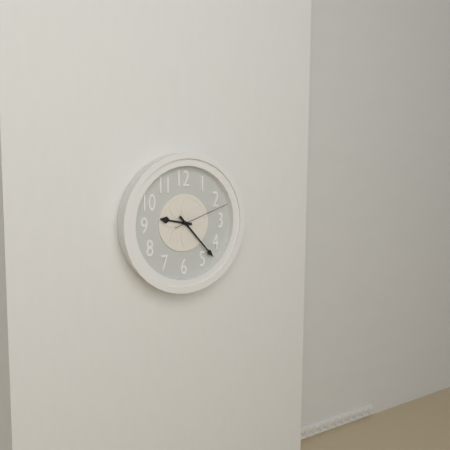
9:23:12
